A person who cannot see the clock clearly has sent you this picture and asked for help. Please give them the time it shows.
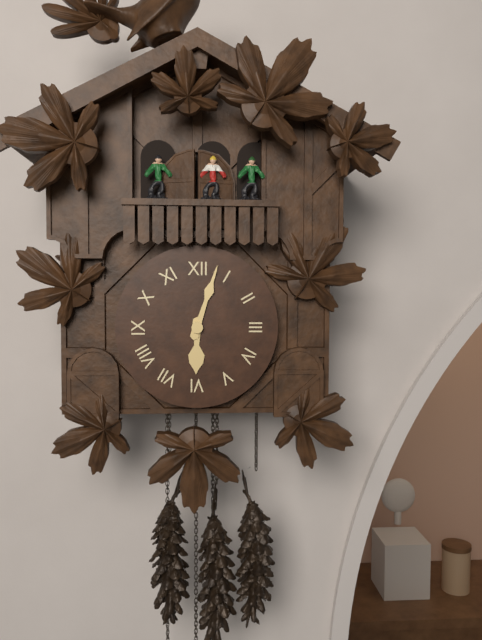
6:03
